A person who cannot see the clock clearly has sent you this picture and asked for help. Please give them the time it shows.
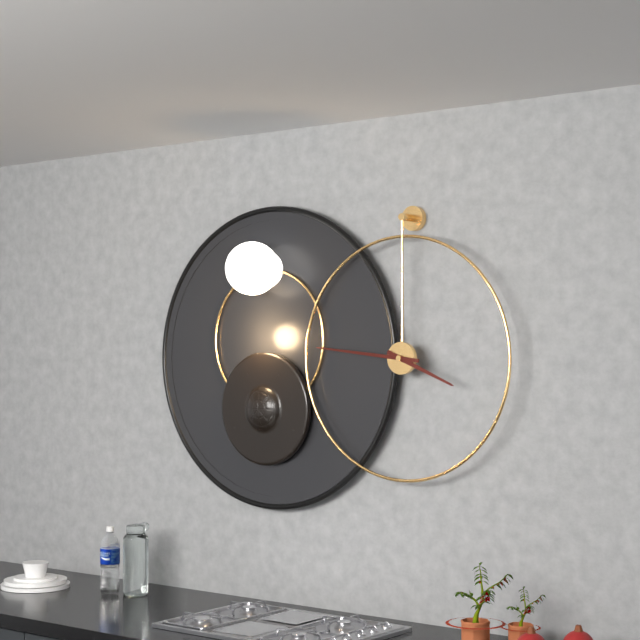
3:46
